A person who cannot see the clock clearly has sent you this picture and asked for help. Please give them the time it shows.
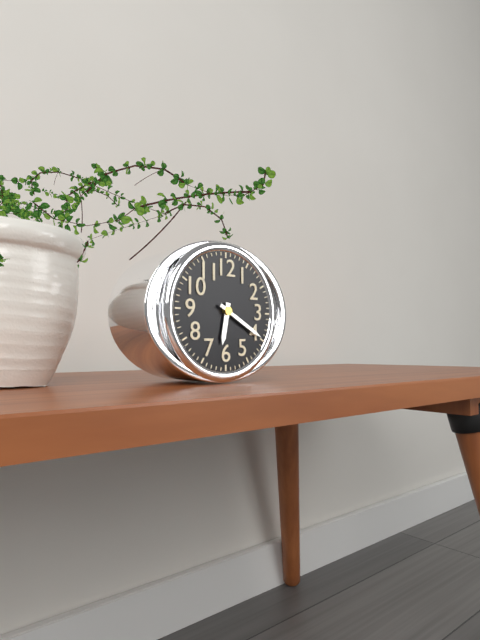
6:20
